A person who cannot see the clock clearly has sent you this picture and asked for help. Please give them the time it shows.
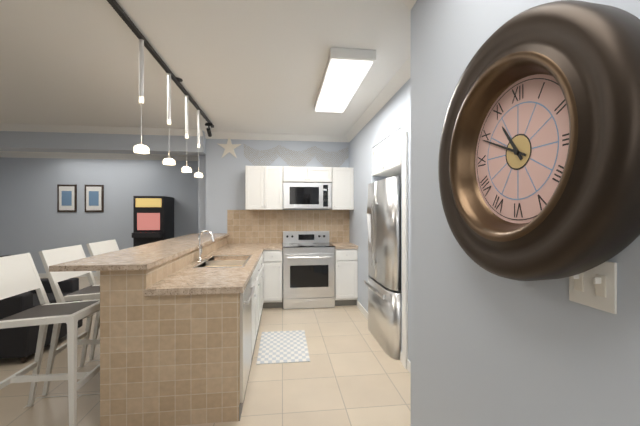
10:49
